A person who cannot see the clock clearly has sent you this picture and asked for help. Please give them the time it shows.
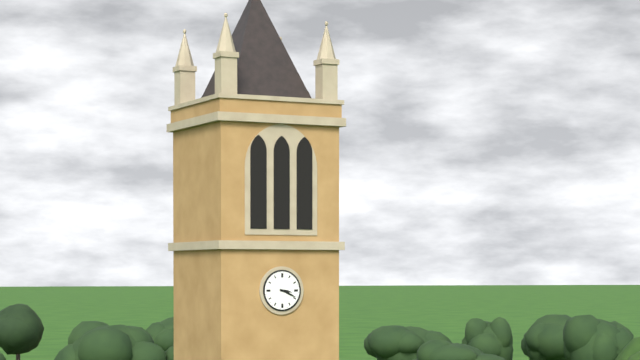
3:19
